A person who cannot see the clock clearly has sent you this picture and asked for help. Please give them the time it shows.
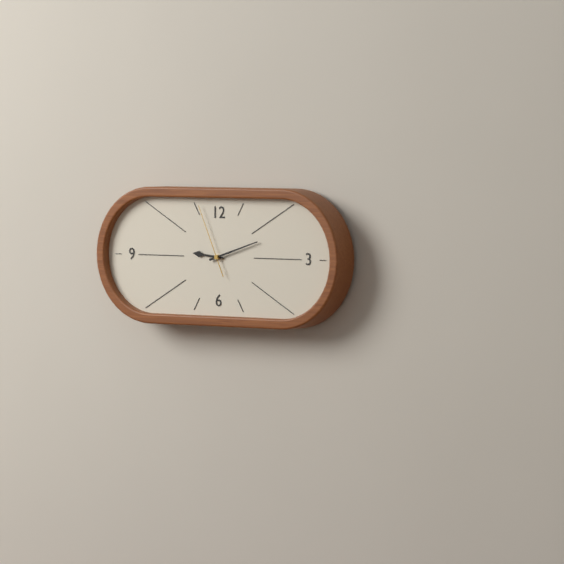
9:12:56
